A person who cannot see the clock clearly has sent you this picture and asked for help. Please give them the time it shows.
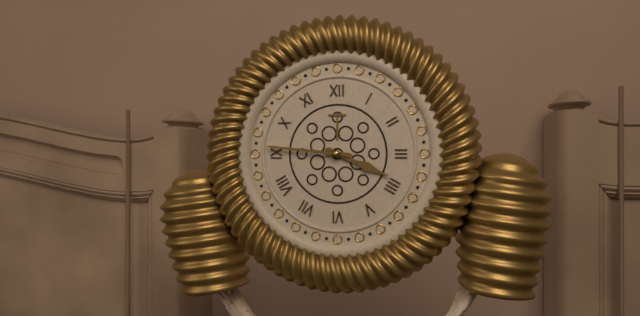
3:46
